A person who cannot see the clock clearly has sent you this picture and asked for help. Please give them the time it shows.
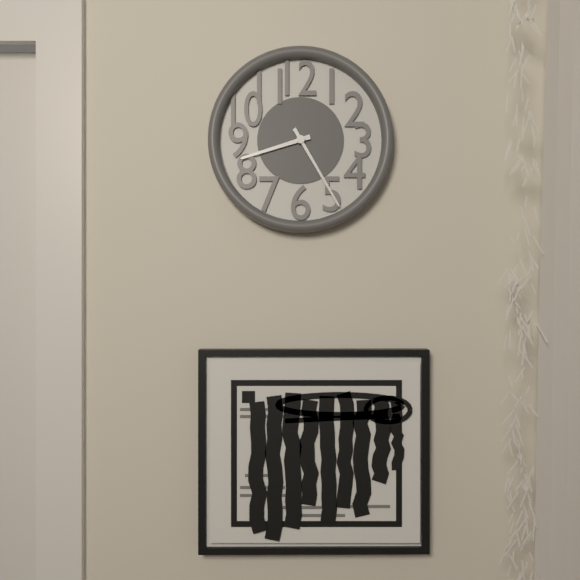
8:25
